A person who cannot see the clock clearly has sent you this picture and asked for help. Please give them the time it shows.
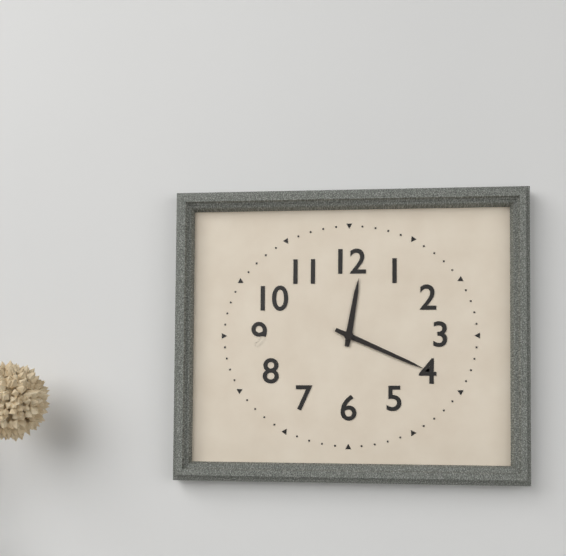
12:19
